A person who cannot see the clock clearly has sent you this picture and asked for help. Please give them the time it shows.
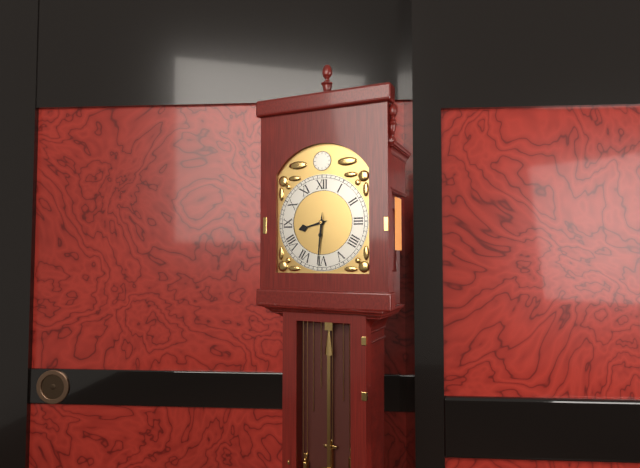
8:31
